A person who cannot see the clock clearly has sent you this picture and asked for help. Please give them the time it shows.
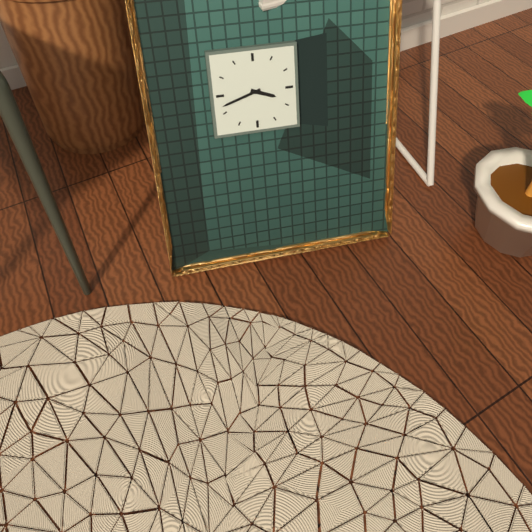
3:42
